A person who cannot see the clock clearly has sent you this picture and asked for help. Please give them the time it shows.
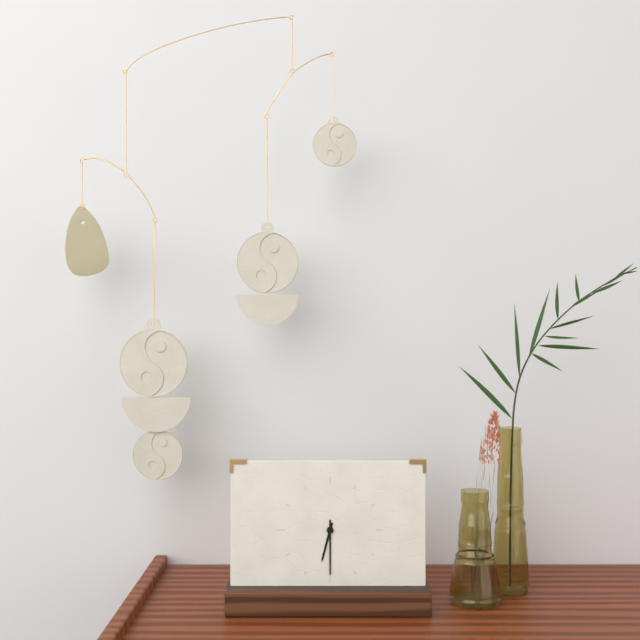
6:30
